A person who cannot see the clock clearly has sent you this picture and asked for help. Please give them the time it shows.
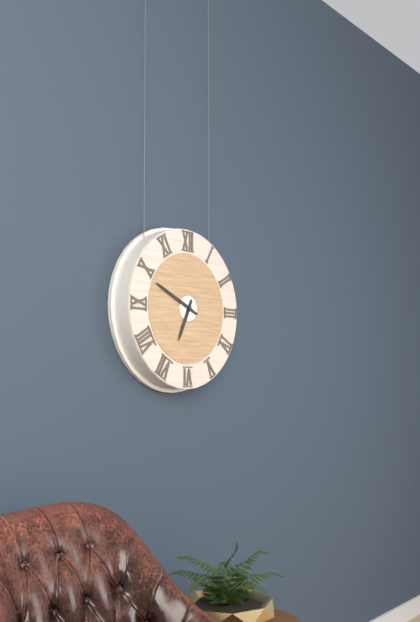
6:49
